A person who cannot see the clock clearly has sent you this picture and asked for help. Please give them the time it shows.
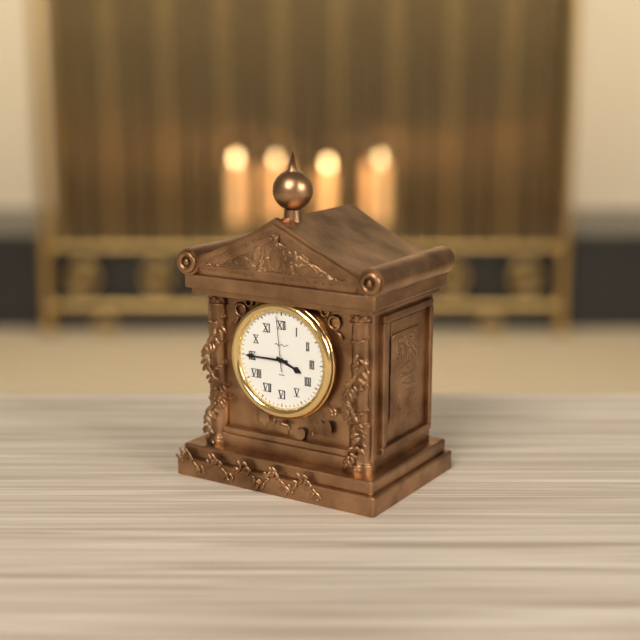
3:45:59
